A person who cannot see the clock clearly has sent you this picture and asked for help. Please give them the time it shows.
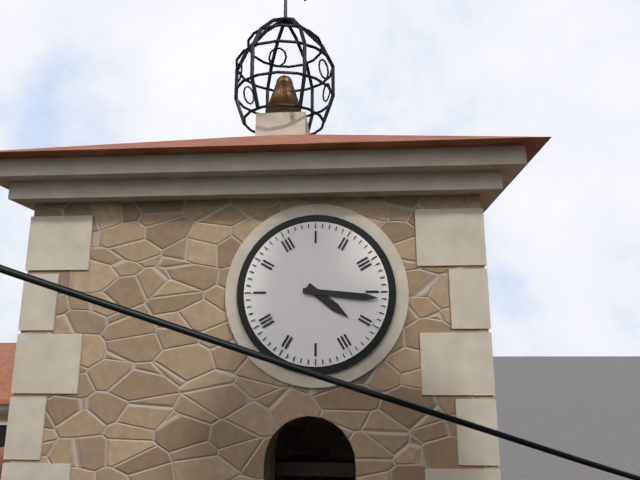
4:16
